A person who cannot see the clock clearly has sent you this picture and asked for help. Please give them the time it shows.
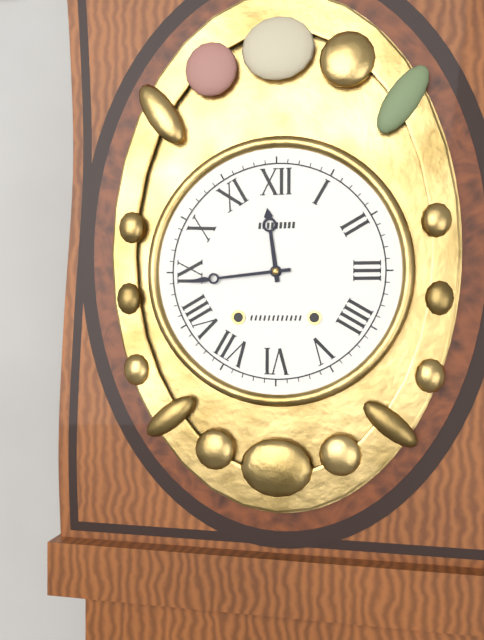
11:44
